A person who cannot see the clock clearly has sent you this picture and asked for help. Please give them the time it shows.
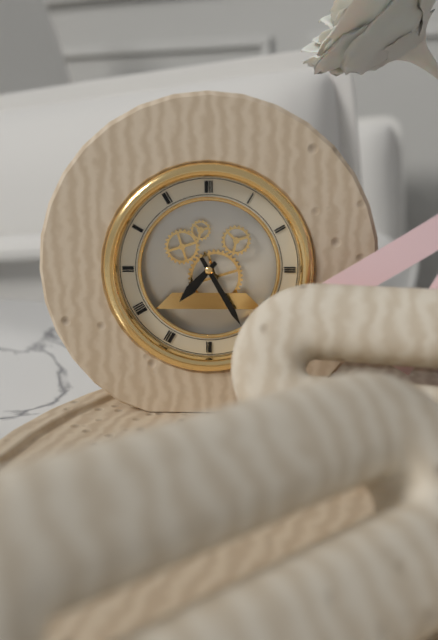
7:25
